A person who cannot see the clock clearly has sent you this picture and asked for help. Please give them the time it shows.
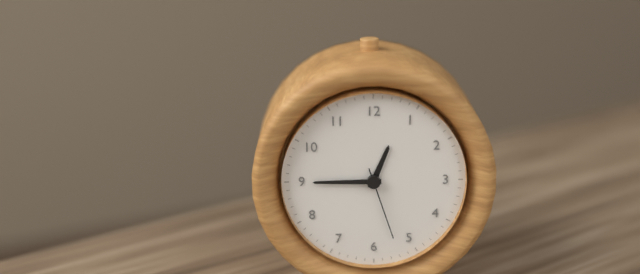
12:45:27
